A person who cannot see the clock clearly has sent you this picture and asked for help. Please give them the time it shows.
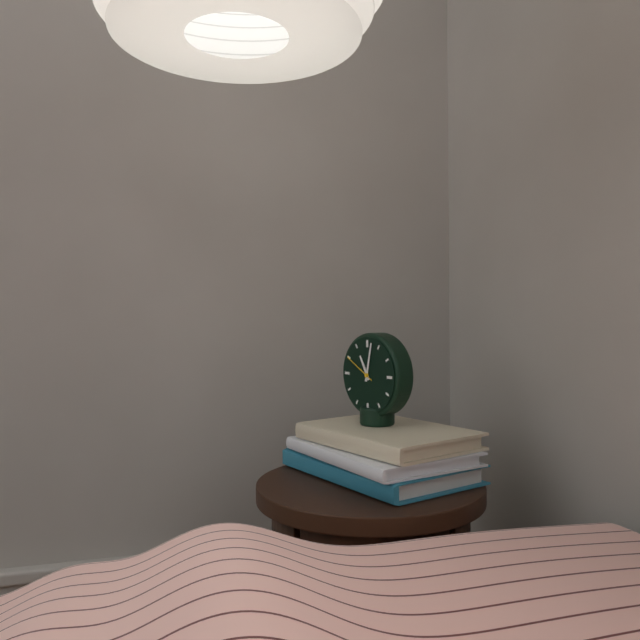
11:02
